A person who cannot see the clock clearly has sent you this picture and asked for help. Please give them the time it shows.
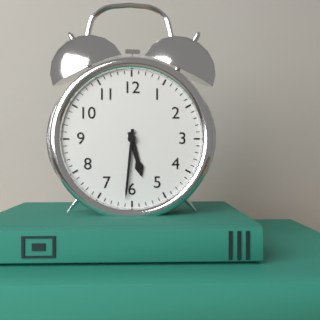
5:31
